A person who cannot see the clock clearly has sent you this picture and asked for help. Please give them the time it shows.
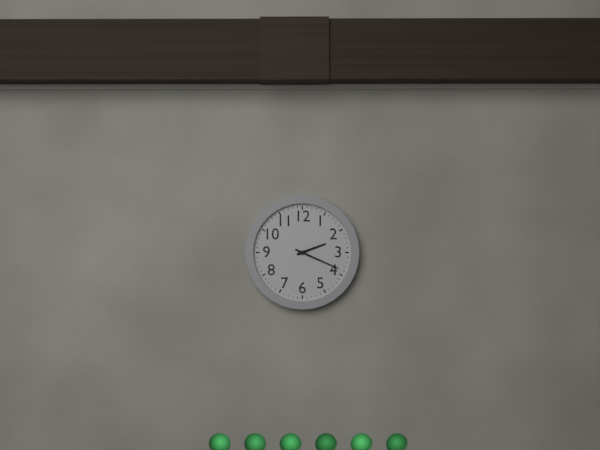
2:19
